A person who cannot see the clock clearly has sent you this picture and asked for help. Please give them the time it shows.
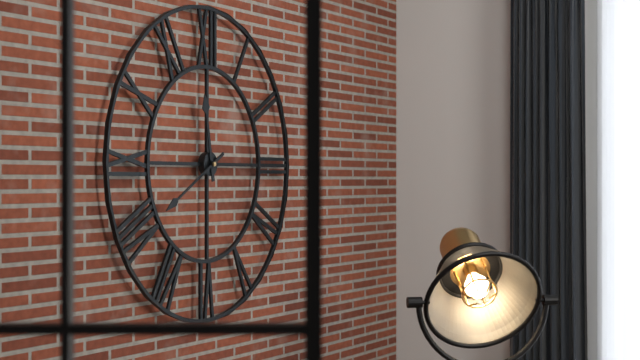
11:40
